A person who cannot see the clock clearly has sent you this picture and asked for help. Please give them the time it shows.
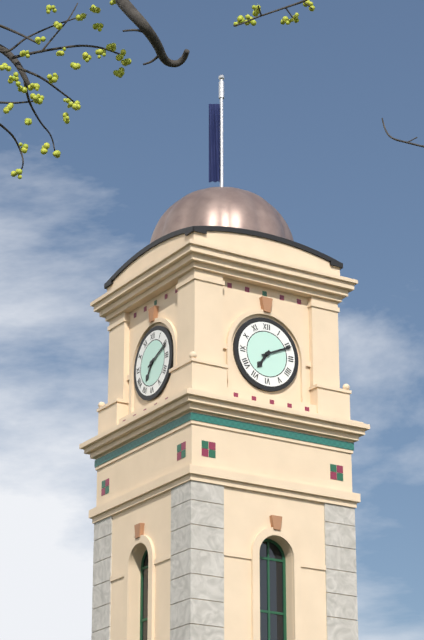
7:11
